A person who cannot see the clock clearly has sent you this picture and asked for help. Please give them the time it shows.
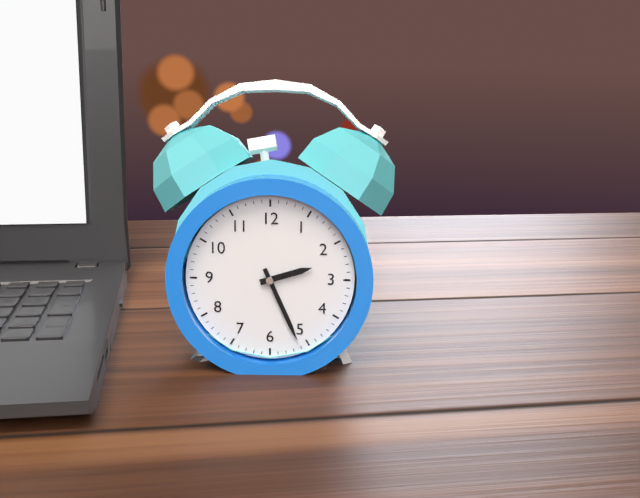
2:26
